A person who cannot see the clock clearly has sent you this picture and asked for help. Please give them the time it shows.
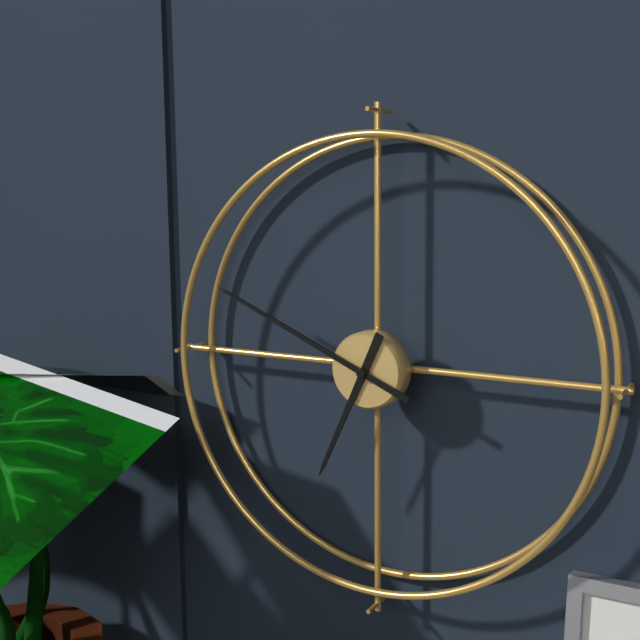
6:49
